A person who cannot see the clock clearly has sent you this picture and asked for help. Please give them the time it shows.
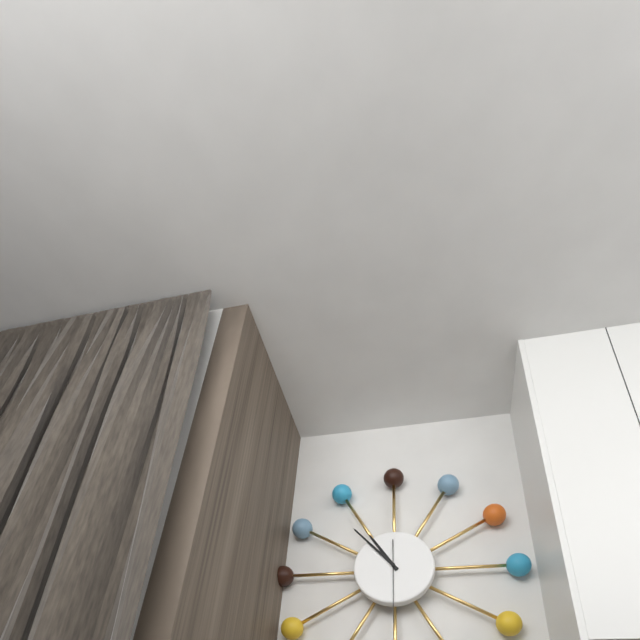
10:53:30
